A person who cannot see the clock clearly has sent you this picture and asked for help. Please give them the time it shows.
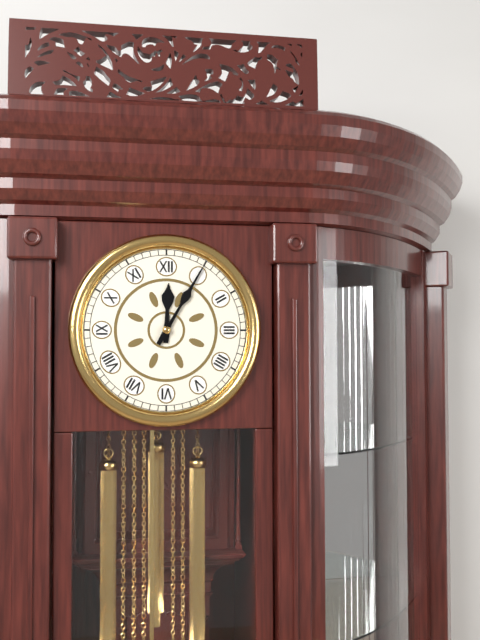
12:05
